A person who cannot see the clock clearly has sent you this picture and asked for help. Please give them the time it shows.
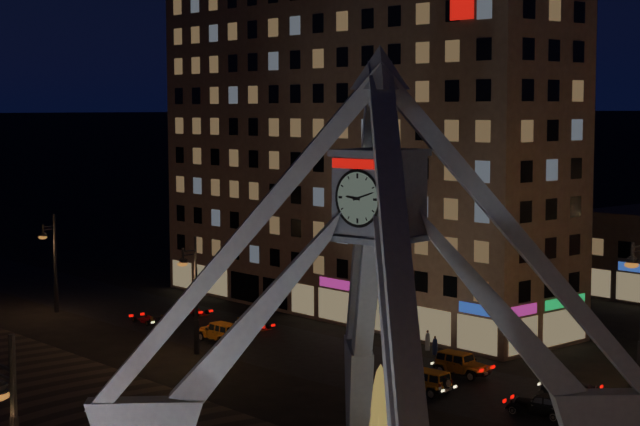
9:12
